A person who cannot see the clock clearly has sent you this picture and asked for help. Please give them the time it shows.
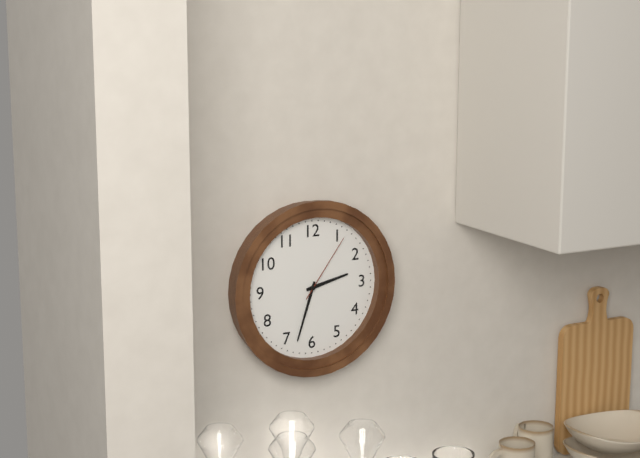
2:33:06
